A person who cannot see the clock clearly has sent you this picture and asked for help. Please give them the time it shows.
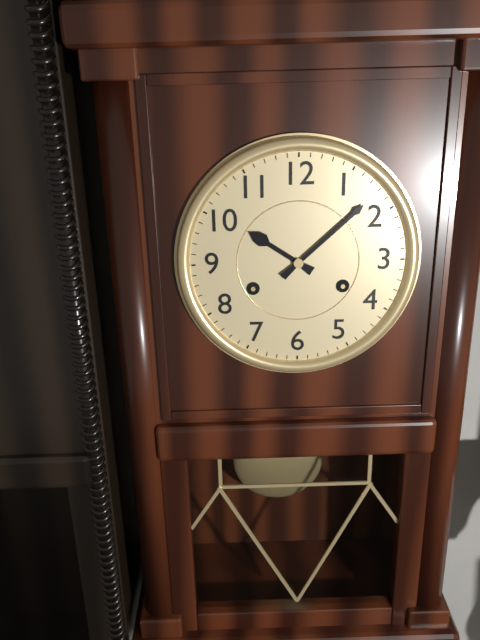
10:08
